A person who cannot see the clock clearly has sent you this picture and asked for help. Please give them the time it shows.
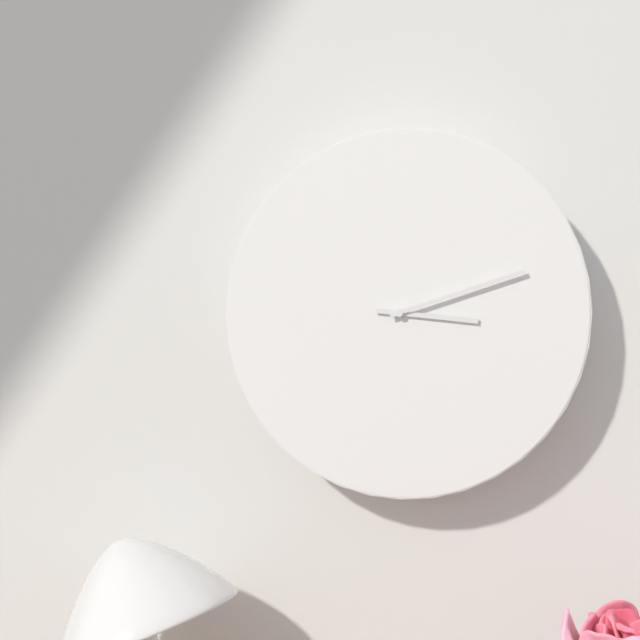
3:12
